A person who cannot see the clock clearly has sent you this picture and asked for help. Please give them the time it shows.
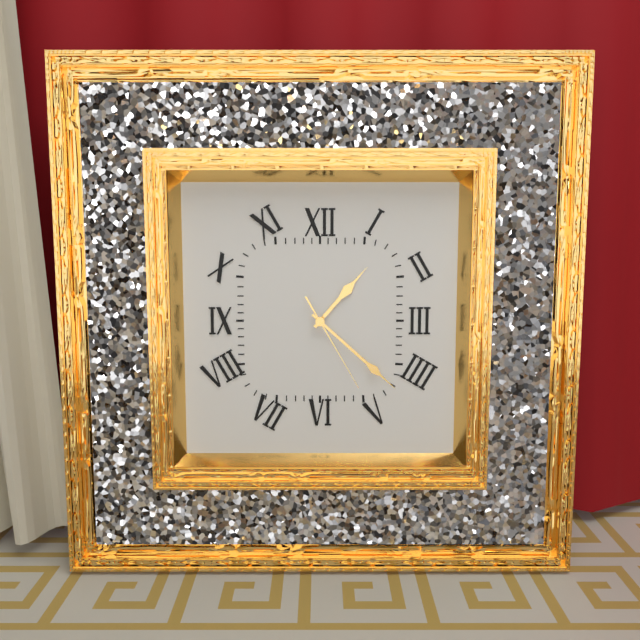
1:22:25
